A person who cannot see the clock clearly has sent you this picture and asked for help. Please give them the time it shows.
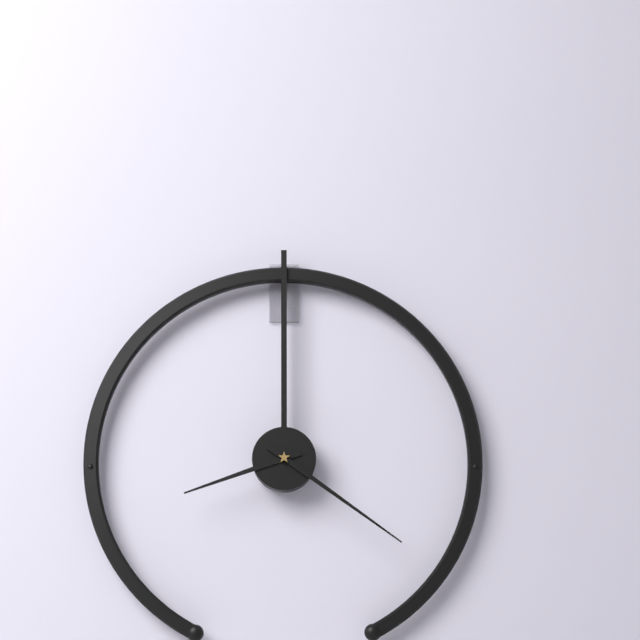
8:21
